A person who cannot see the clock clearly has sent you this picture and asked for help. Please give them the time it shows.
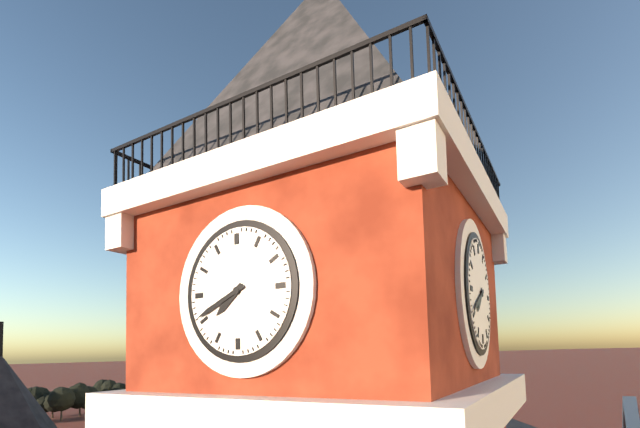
7:41
